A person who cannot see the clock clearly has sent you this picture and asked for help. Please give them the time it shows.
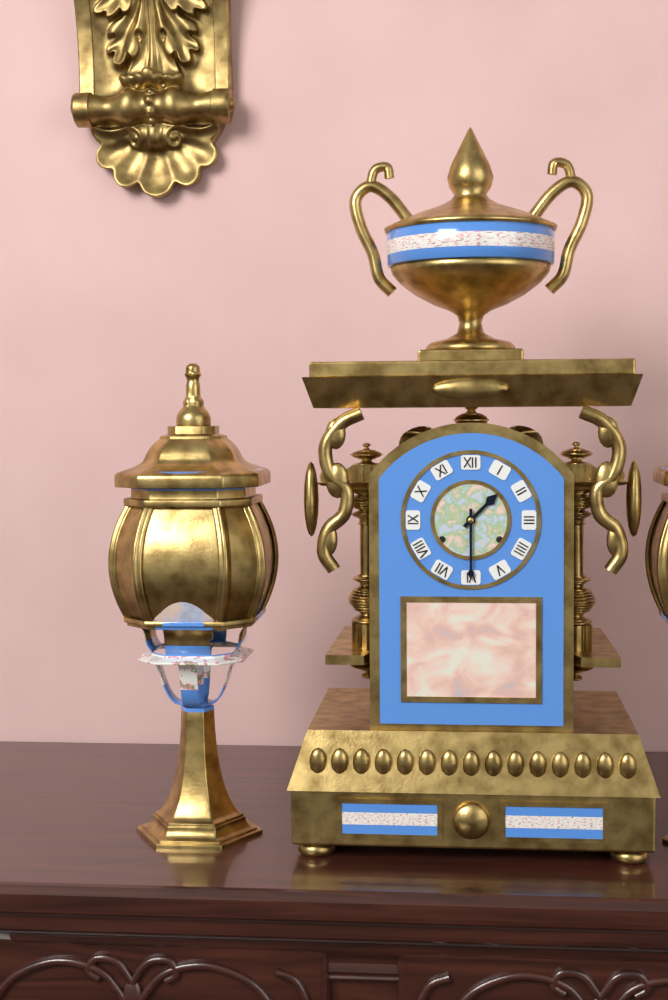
1:30
